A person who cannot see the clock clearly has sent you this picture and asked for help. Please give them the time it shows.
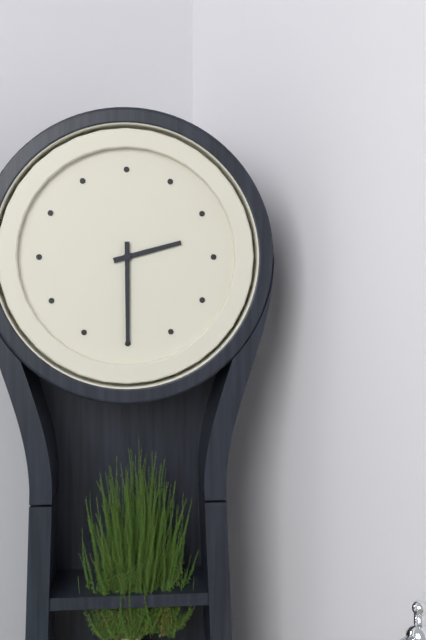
2:30
